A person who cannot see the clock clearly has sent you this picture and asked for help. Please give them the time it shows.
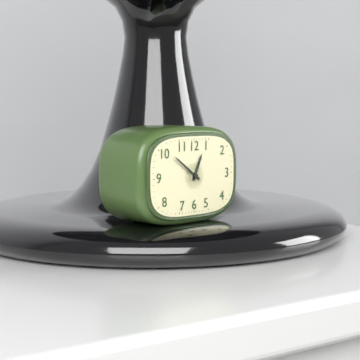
12:51
